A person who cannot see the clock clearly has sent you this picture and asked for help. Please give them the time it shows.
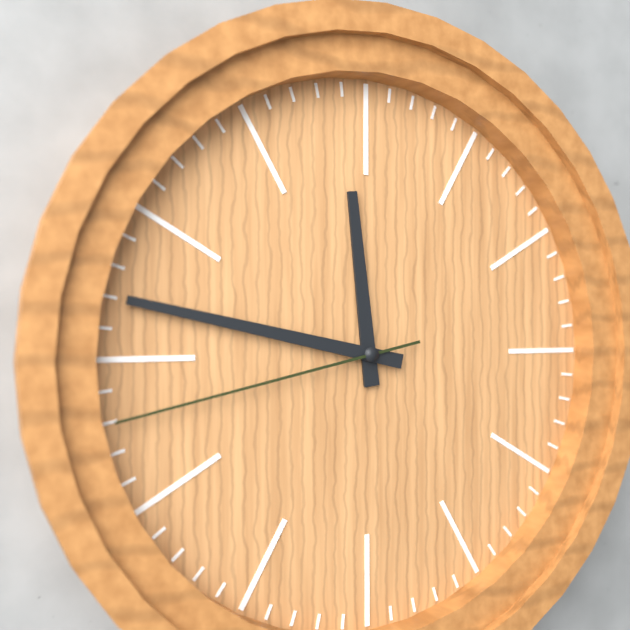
11:47:43
